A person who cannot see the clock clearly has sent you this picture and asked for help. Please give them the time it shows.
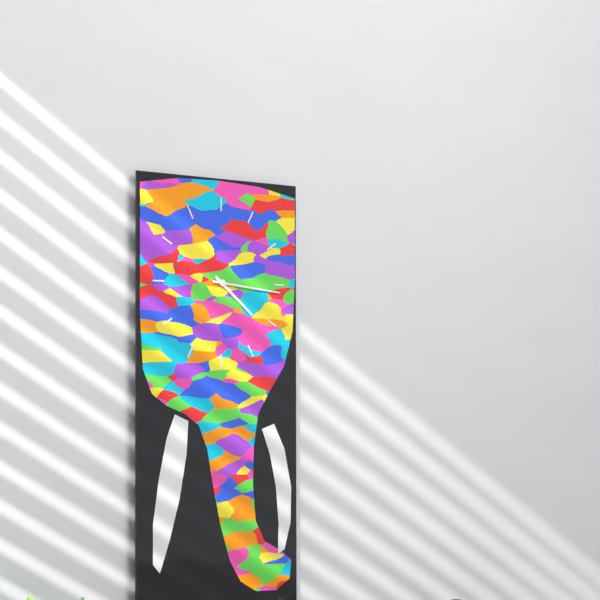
4:16
